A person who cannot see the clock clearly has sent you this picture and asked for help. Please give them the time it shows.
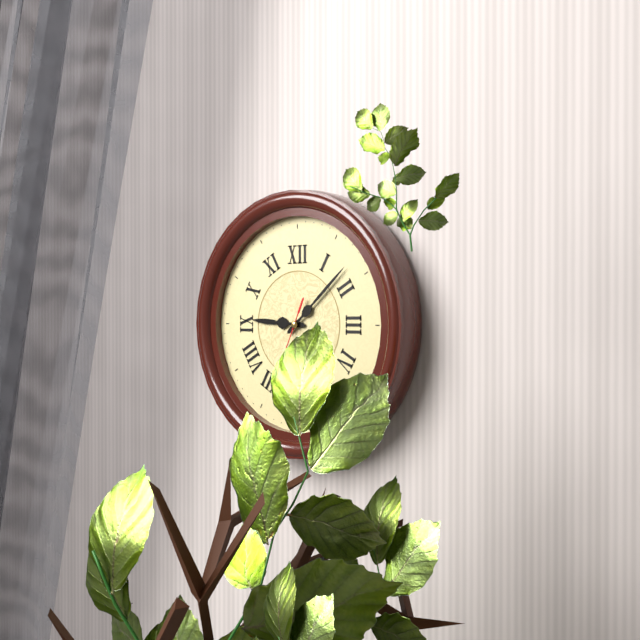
9:08:34
